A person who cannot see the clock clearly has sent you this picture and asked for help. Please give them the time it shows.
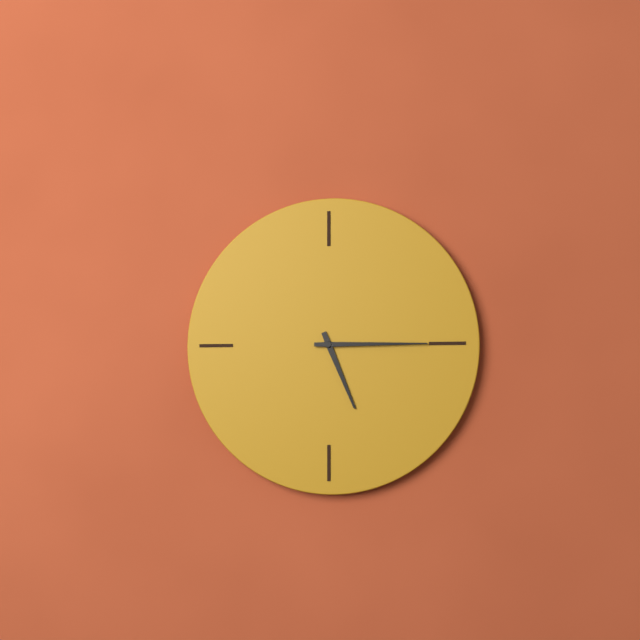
5:15
